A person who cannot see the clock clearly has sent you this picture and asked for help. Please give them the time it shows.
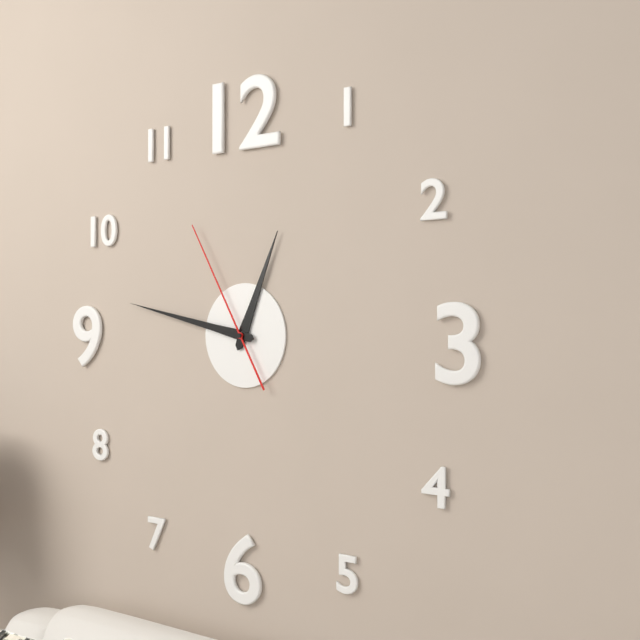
12:47:55
